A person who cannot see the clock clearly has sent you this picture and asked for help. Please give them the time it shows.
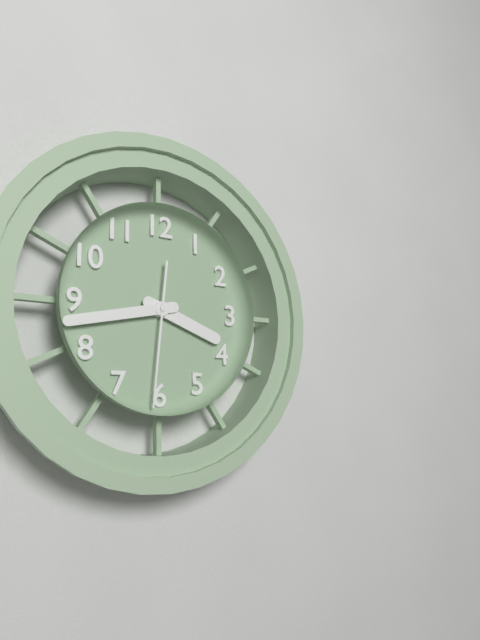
3:43:31
